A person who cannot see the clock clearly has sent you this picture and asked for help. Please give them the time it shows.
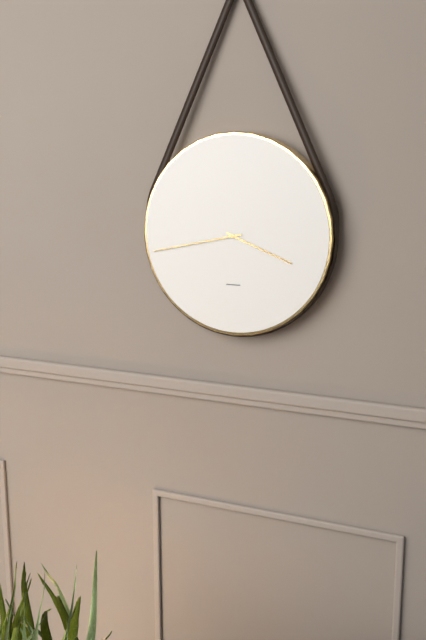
3:43
